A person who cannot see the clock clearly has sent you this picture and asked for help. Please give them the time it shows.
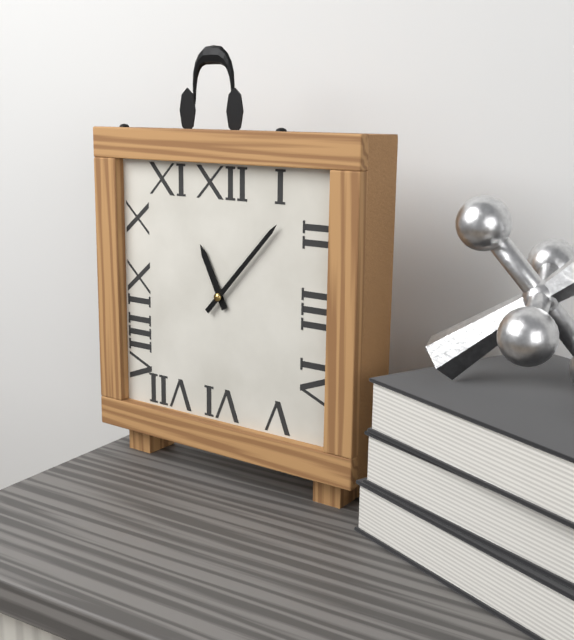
11:07
